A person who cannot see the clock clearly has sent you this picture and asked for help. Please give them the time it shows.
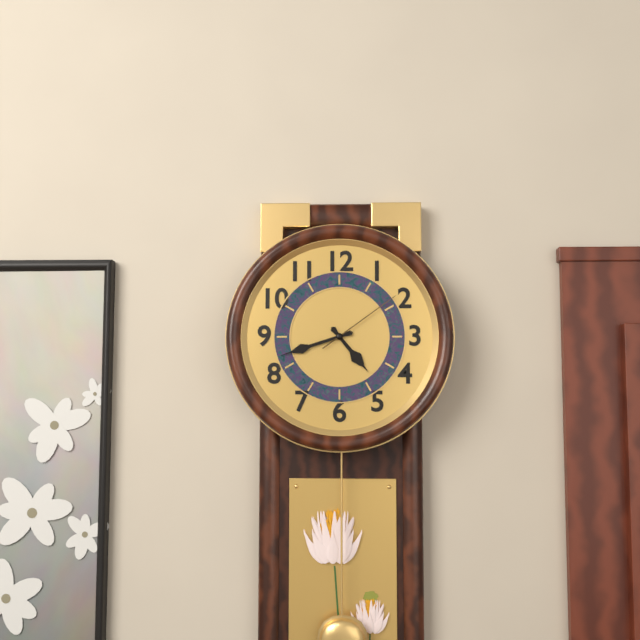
4:42:09
